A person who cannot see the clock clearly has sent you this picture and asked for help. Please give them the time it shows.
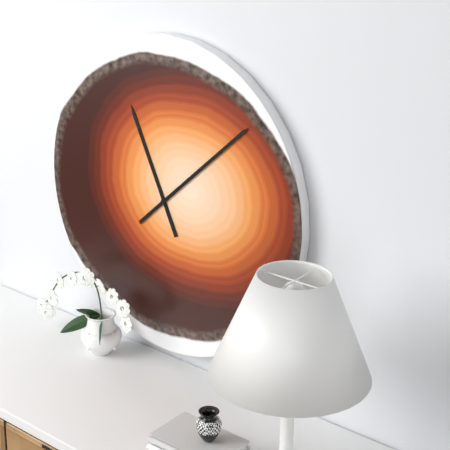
11:08
